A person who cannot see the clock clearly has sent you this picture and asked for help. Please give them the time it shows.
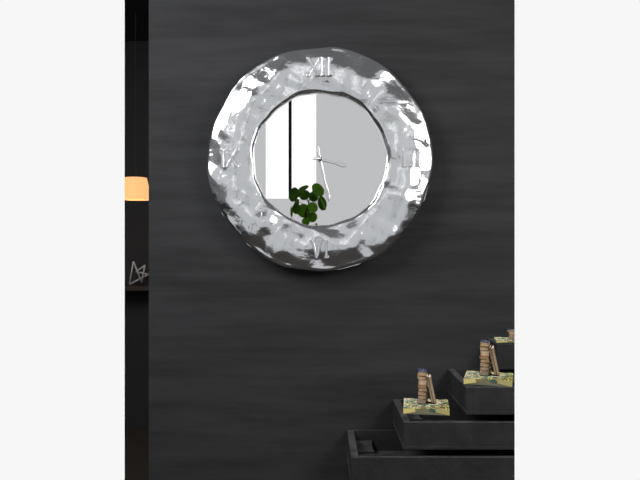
3:28
